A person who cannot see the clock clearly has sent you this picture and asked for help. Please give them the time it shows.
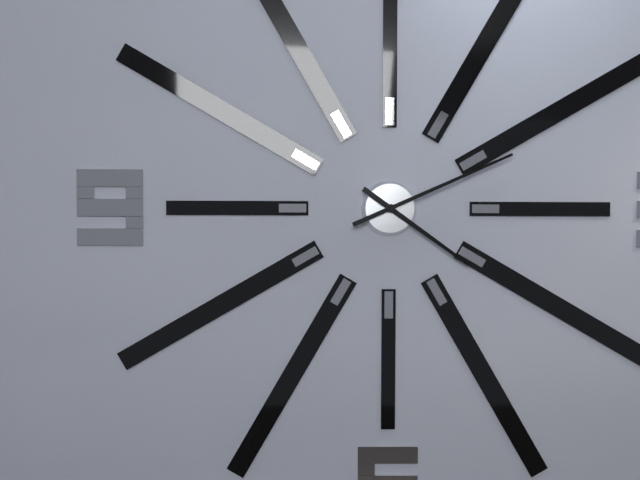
4:11
